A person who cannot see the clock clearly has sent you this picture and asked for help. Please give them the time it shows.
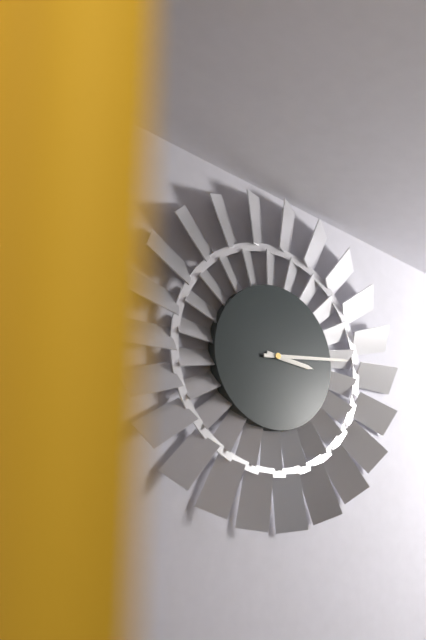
3:14
